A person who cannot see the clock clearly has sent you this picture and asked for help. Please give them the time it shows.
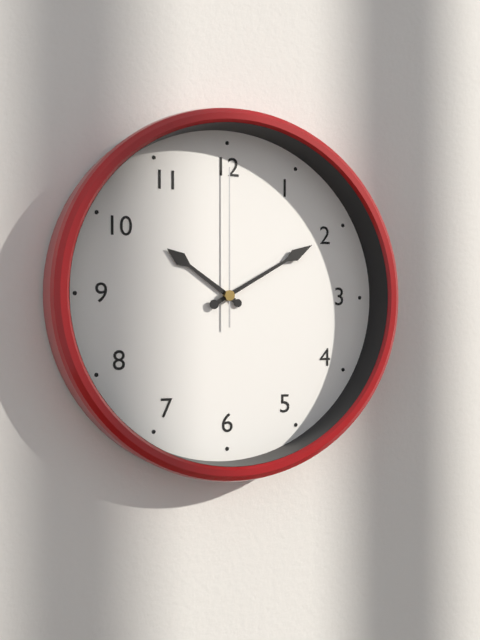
10:10:00
